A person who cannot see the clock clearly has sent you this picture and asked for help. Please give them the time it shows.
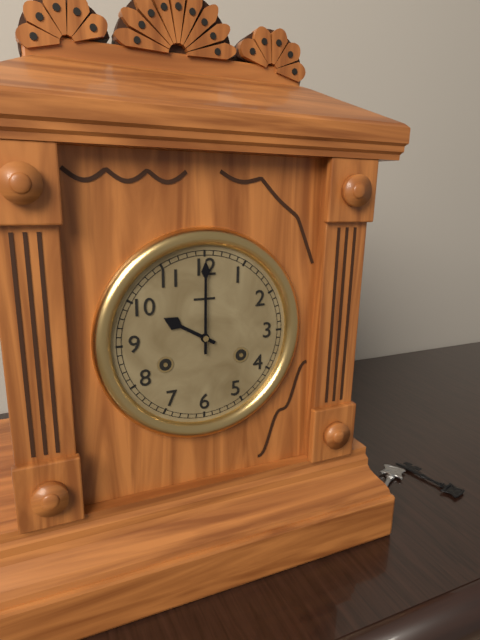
10:00
